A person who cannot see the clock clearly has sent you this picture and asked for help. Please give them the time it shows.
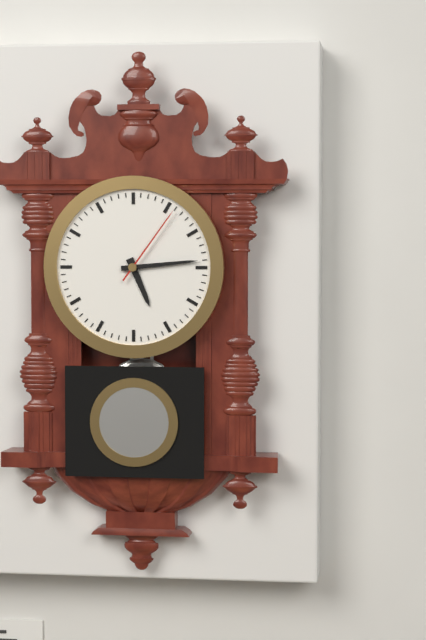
5:14:06
